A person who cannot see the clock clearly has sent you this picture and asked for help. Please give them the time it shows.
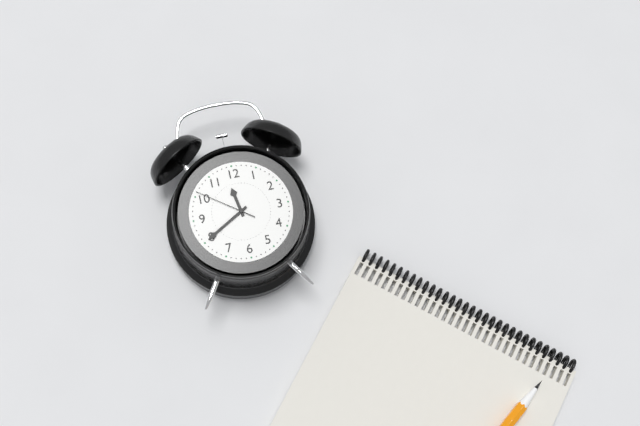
11:40:51
